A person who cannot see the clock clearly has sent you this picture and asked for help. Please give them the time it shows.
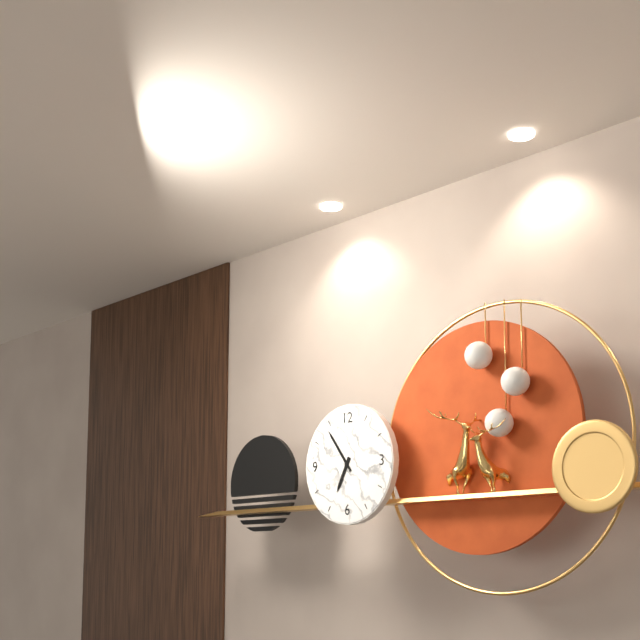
6:54
